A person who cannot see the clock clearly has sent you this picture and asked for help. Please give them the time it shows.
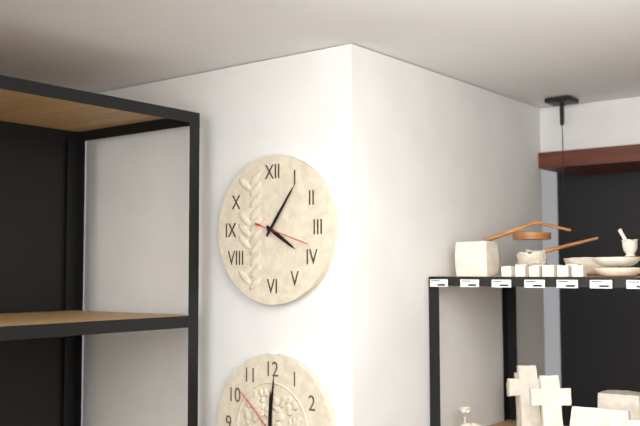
4:06:18
